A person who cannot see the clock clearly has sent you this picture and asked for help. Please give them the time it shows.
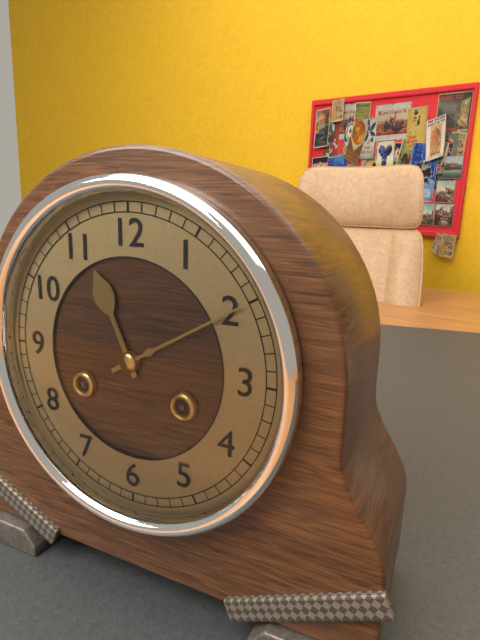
11:10
